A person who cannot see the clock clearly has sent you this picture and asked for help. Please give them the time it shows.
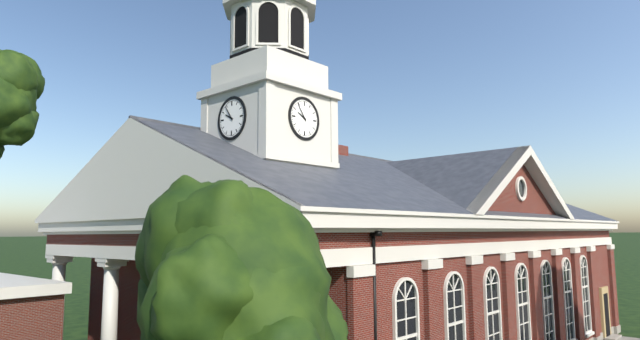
9:54
